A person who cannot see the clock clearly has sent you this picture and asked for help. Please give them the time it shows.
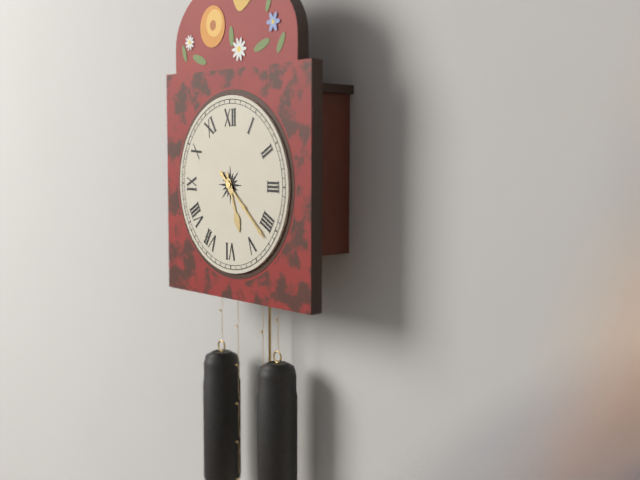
5:22
